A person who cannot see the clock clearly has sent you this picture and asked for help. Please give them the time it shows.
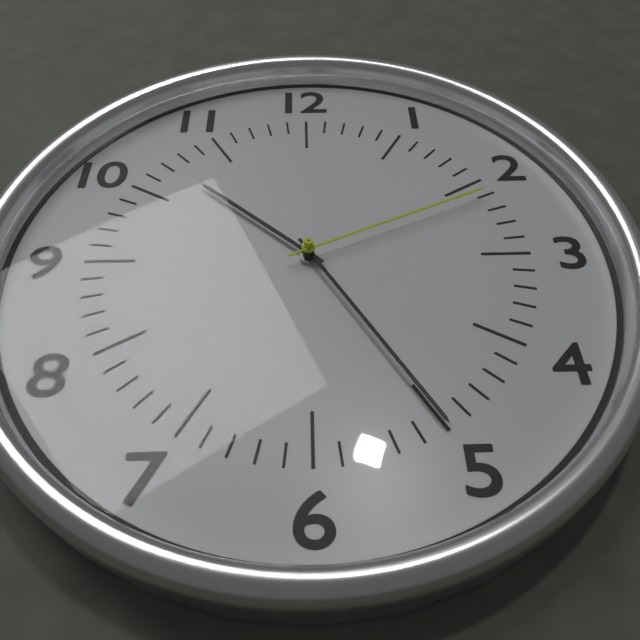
10:25:11
